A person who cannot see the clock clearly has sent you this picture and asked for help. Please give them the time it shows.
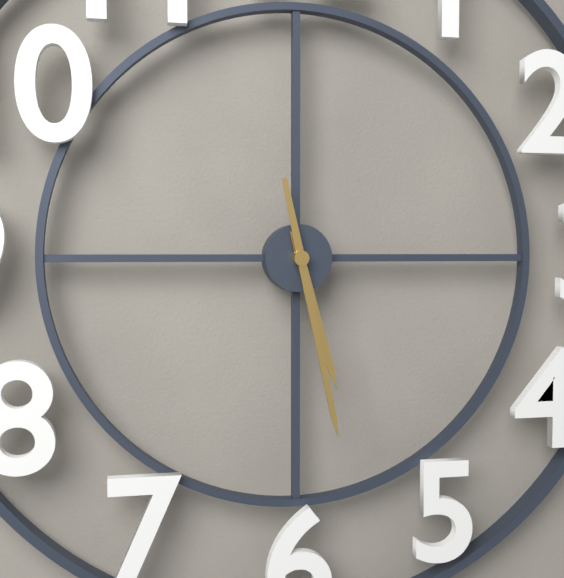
5:28
